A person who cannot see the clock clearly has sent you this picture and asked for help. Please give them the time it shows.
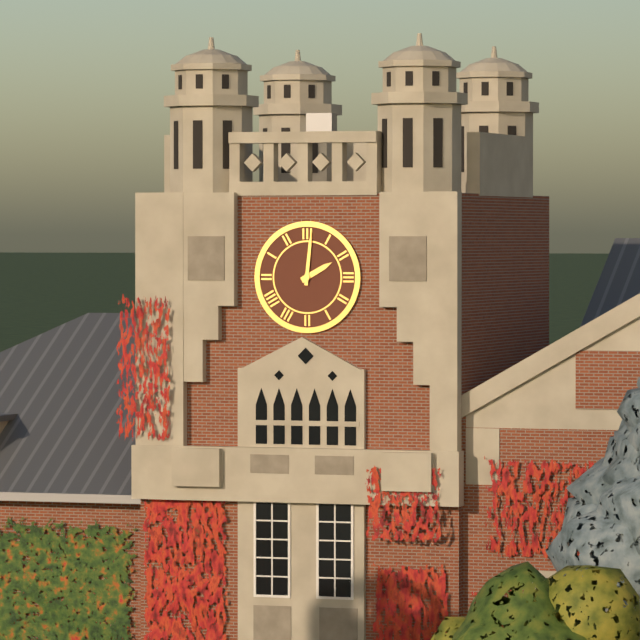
2:01
